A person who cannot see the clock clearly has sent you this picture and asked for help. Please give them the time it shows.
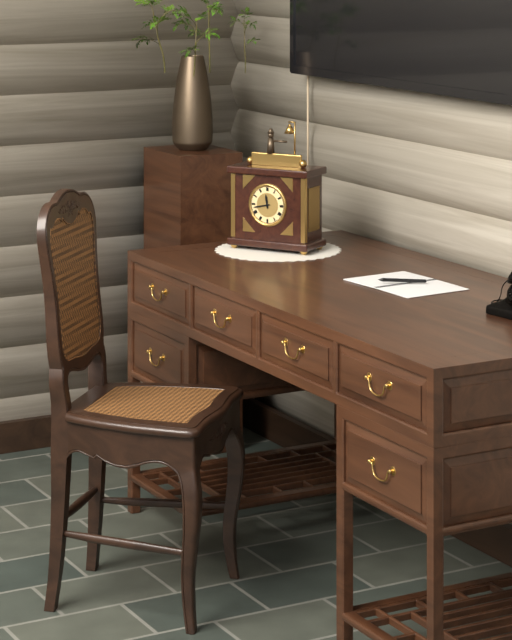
11:43
